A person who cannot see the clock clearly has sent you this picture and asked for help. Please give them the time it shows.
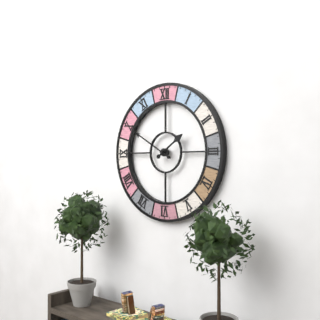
1:50
